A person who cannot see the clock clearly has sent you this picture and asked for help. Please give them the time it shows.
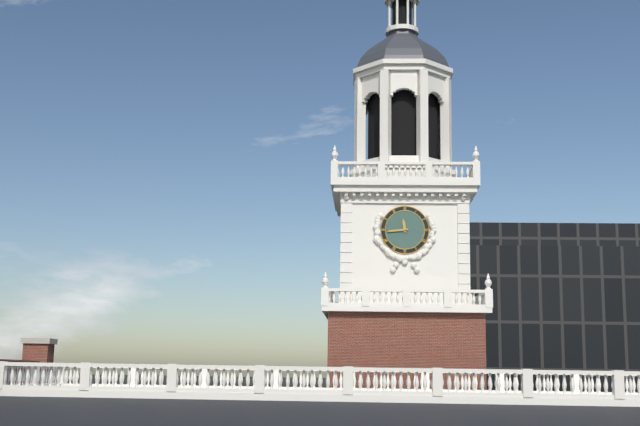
11:44
